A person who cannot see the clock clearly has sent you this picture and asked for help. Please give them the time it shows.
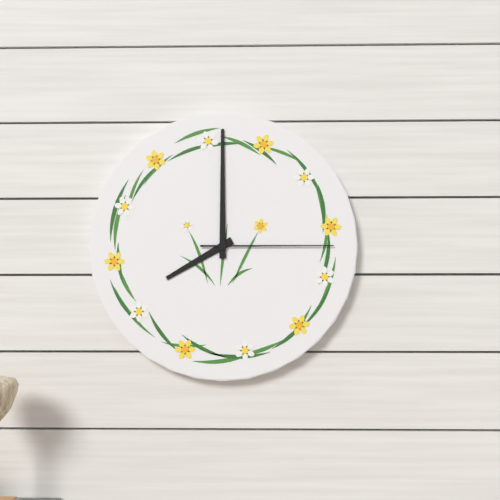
8:00:15
